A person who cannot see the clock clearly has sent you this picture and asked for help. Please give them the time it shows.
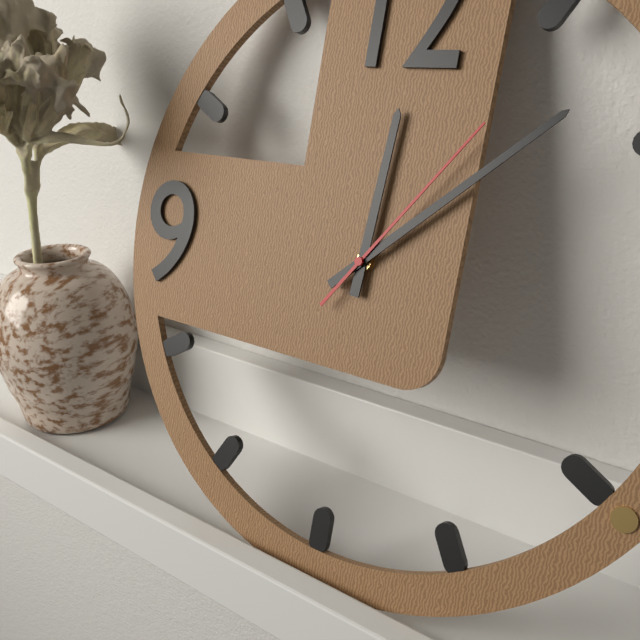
12:08:06
